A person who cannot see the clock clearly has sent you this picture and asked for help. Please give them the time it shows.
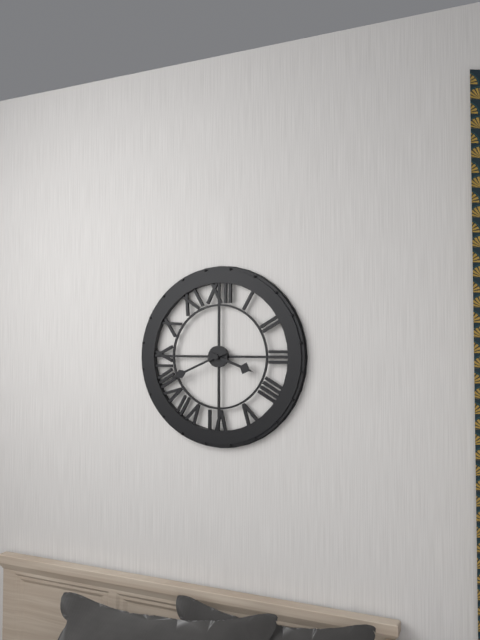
3:41
